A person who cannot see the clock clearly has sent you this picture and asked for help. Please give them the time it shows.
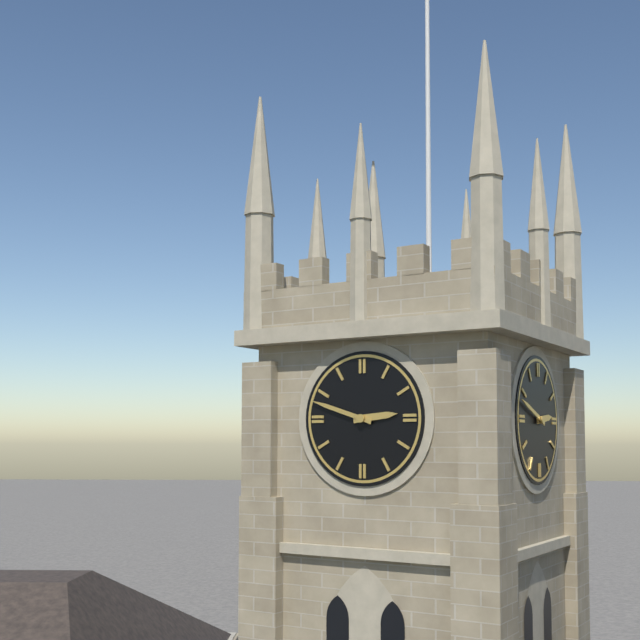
2:48
